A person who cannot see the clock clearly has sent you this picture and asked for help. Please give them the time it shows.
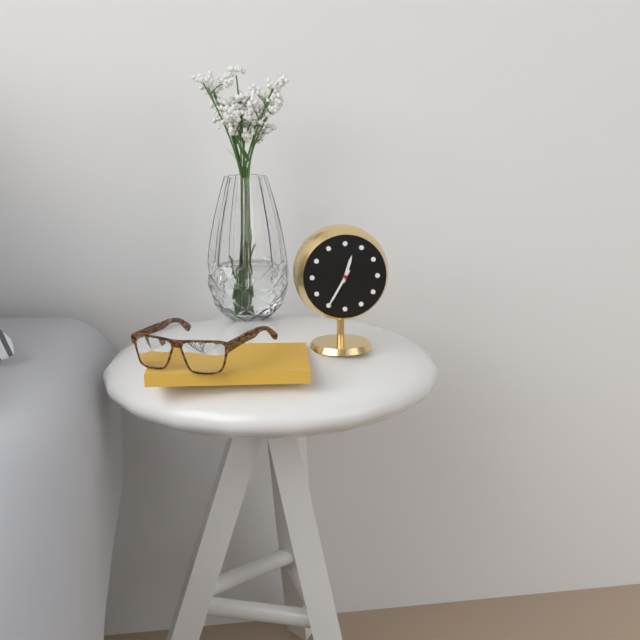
12:35
